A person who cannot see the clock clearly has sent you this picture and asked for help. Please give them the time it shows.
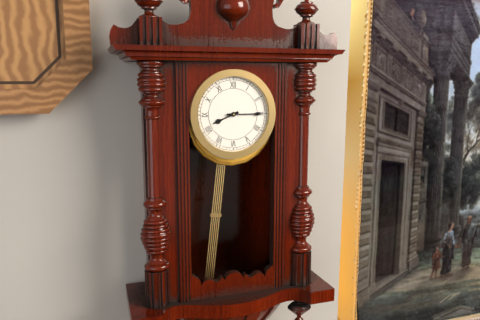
8:15
